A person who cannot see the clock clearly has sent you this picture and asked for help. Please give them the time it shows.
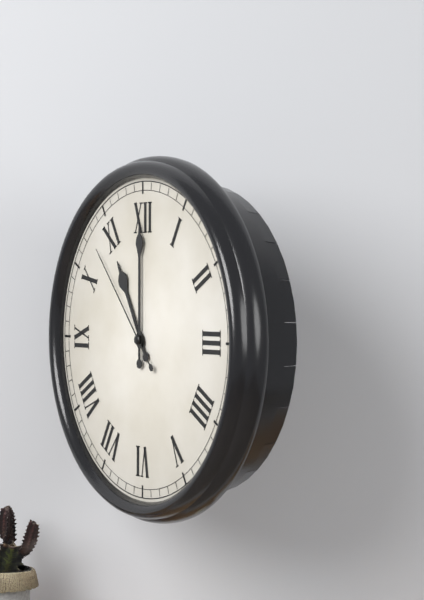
11:00:53
